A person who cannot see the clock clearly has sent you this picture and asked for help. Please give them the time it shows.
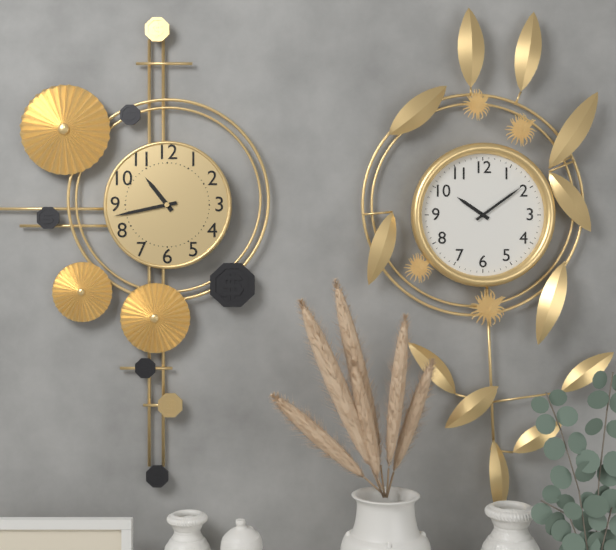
10:43
